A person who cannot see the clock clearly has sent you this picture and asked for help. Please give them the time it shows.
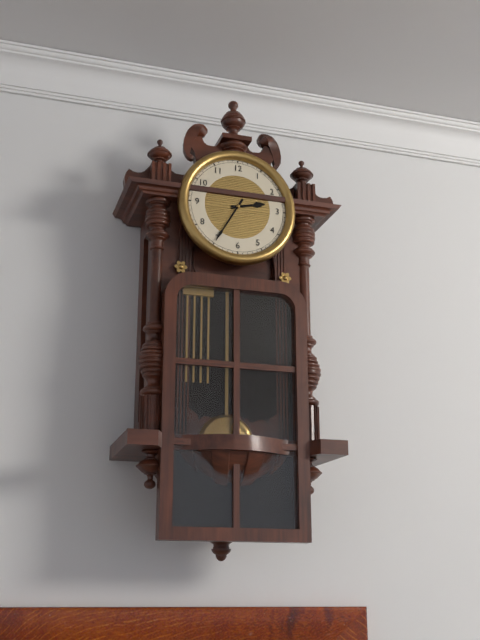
2:35
